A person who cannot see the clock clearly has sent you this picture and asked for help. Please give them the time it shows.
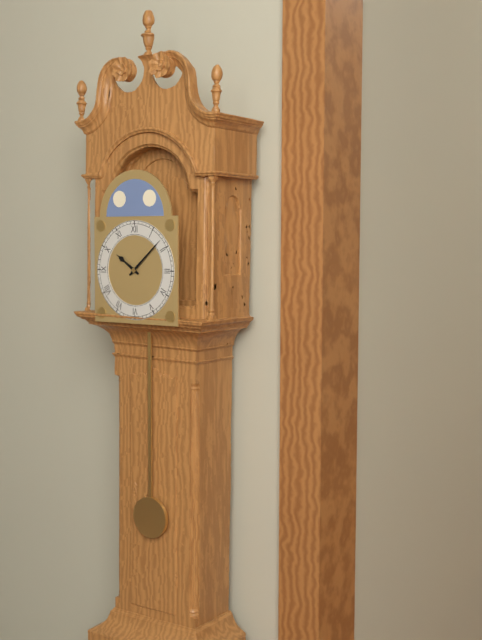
10:08
